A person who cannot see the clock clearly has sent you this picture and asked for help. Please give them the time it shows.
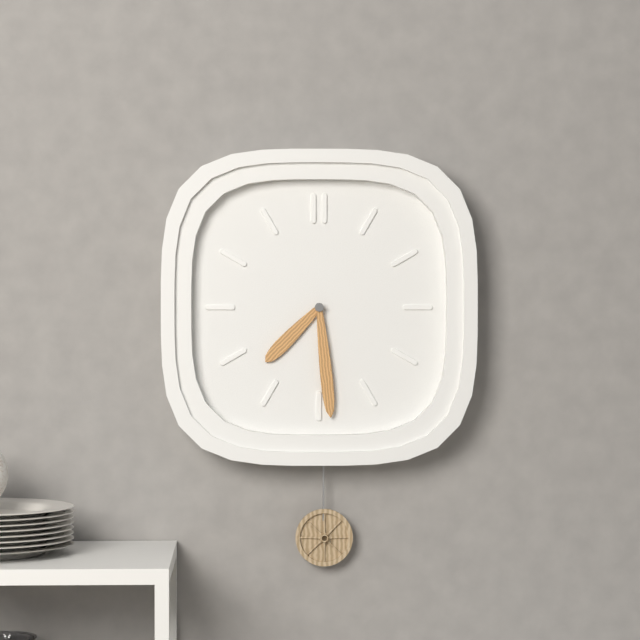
7:29
